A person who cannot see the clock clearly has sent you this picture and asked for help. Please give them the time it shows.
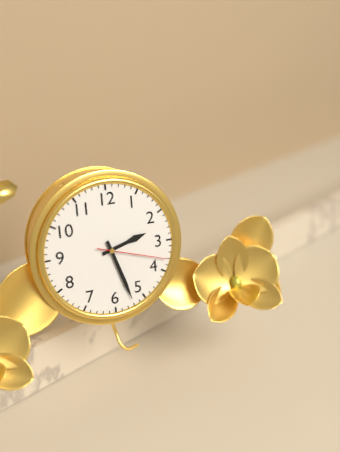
2:27:18
